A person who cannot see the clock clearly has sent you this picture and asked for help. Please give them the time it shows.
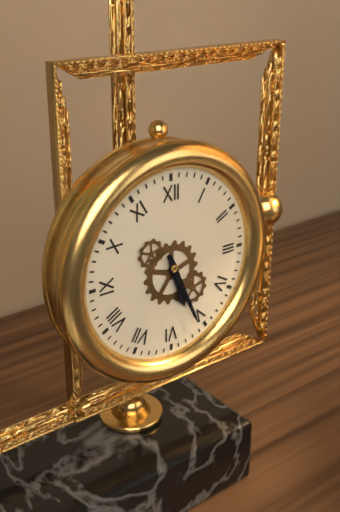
5:26
